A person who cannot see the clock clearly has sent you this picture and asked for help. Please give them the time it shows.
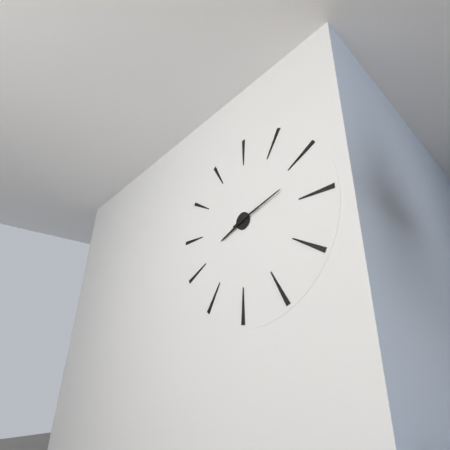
8:12
